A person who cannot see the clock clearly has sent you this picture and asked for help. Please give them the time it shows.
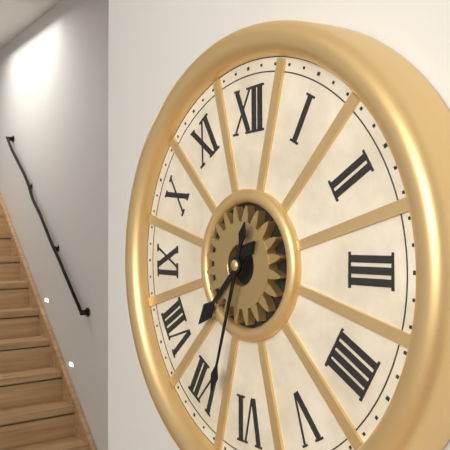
7:33
